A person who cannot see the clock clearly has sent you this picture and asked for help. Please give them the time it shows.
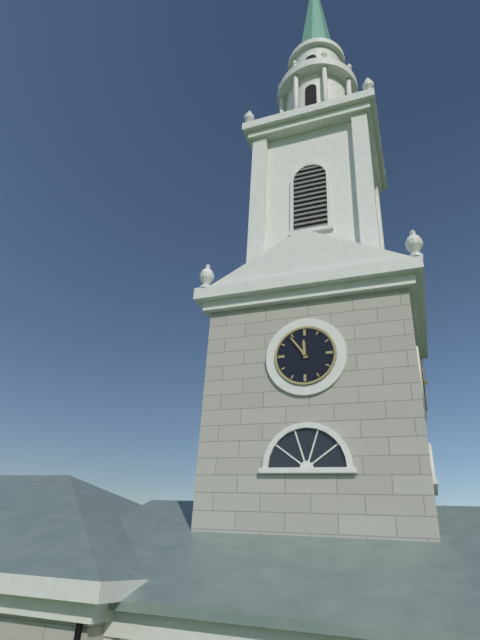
11:54
